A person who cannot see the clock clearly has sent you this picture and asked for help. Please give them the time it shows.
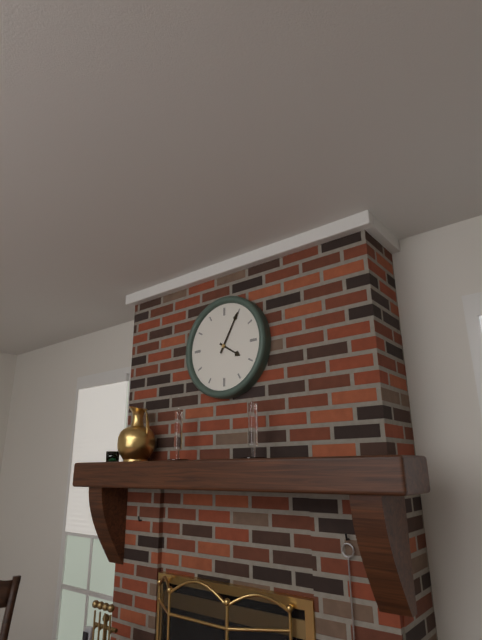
4:05
